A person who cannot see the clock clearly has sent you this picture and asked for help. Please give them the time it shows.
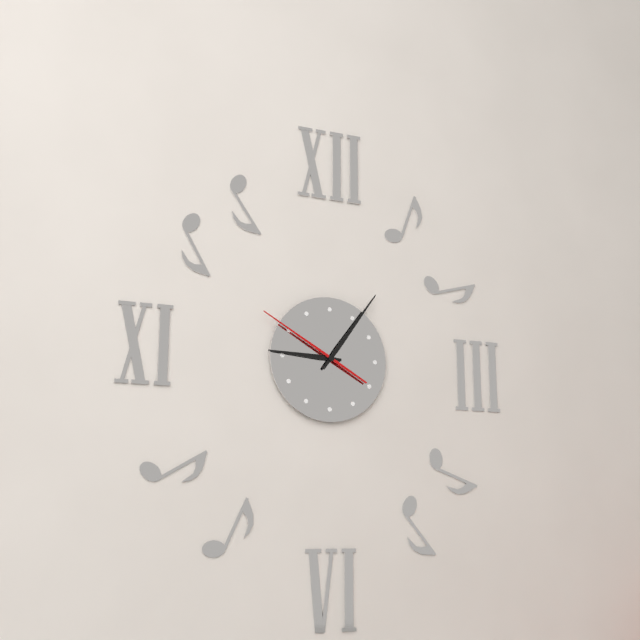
9:06:50
